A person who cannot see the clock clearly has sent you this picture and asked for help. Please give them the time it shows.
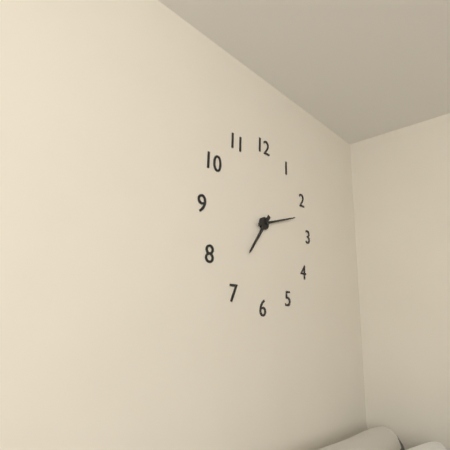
7:12
